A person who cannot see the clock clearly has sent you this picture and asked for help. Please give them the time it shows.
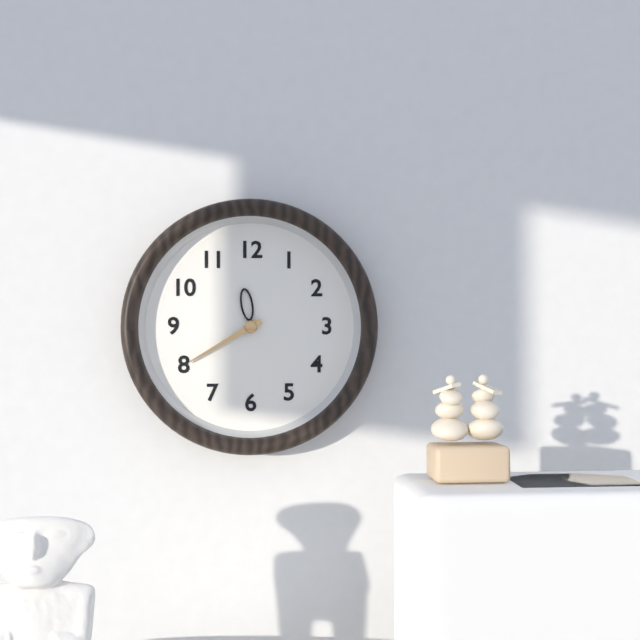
11:40
